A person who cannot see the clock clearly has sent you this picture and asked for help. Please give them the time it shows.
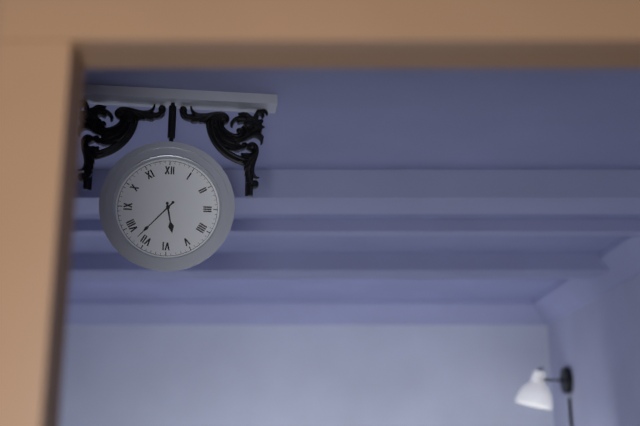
5:37
